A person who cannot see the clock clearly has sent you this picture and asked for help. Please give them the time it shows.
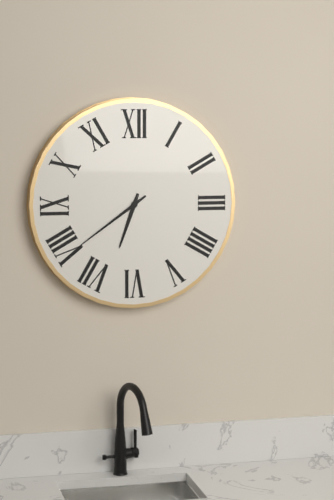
6:39
